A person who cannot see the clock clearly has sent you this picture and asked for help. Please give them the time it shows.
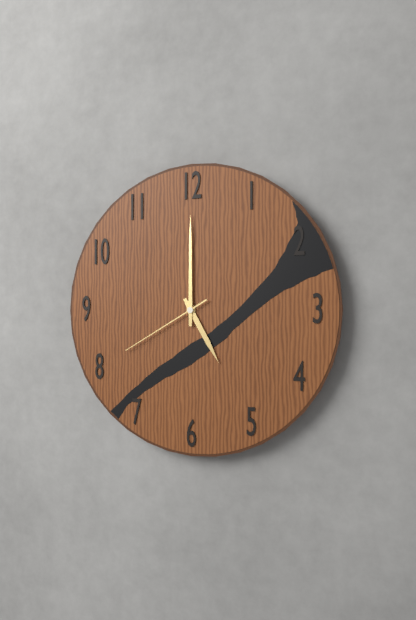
5:00:40
